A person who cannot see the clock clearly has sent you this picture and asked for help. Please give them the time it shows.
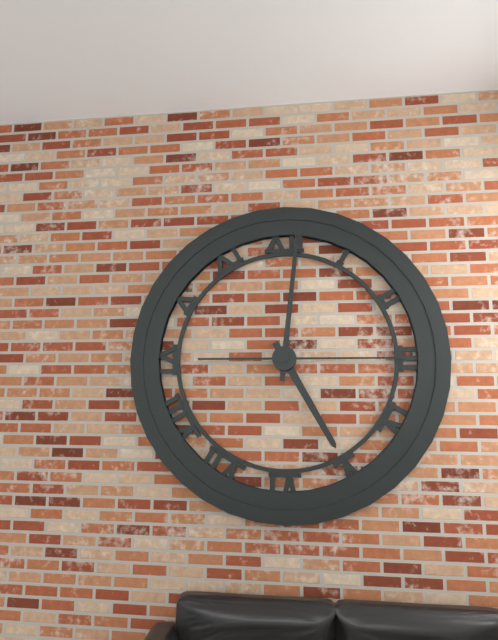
5:01:15
